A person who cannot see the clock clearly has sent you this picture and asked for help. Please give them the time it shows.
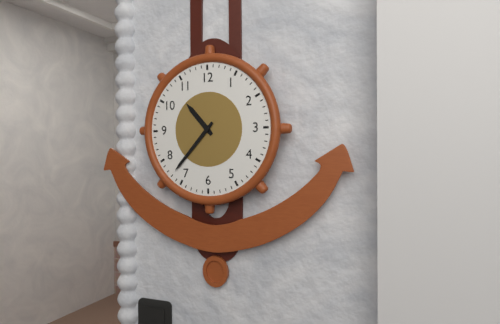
10:37
